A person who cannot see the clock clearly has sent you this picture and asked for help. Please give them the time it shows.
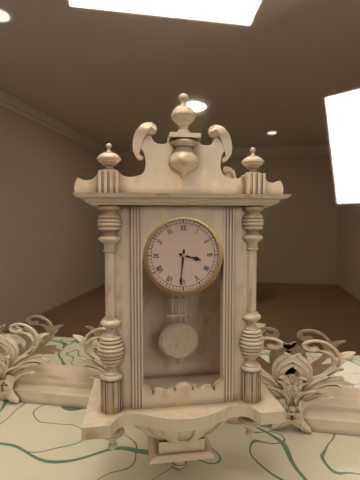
3:31
